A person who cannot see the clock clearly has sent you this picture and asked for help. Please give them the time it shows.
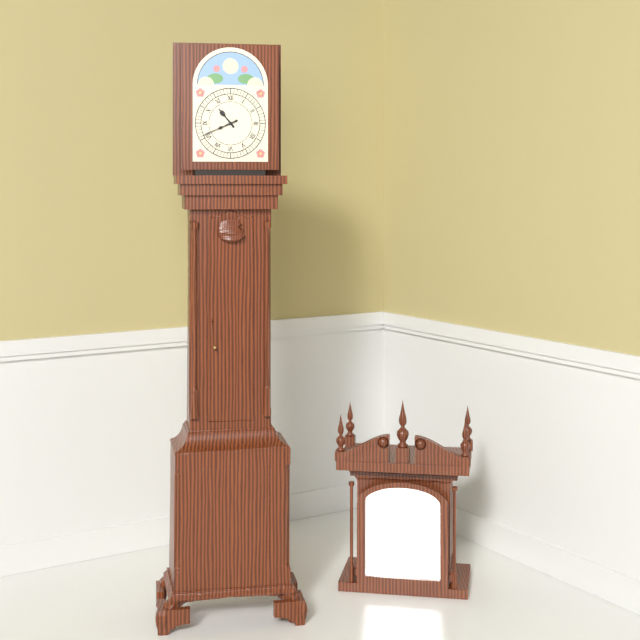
10:41
